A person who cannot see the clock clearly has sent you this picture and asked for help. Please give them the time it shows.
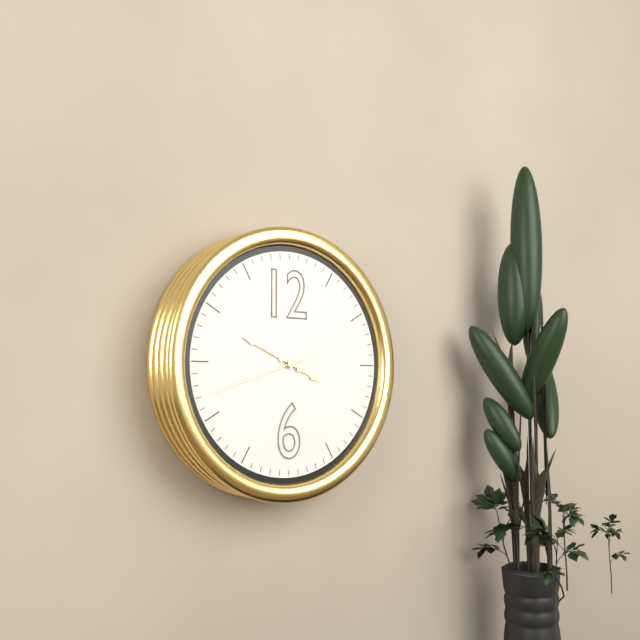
3:49:42
